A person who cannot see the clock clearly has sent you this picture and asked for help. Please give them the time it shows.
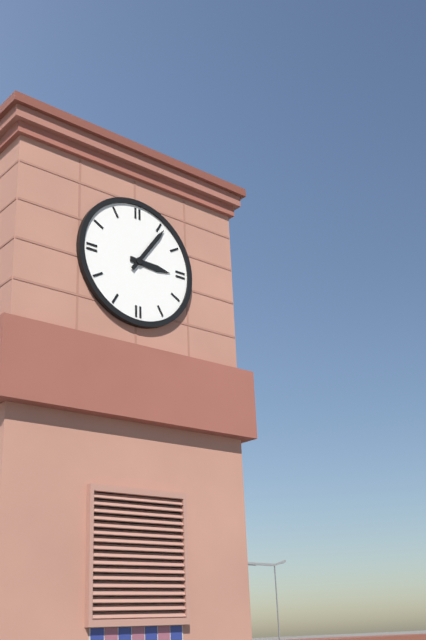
3:06
